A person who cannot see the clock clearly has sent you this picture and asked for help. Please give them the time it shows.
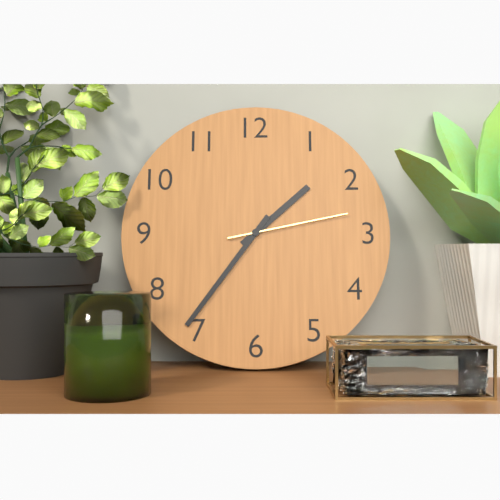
1:36:13
